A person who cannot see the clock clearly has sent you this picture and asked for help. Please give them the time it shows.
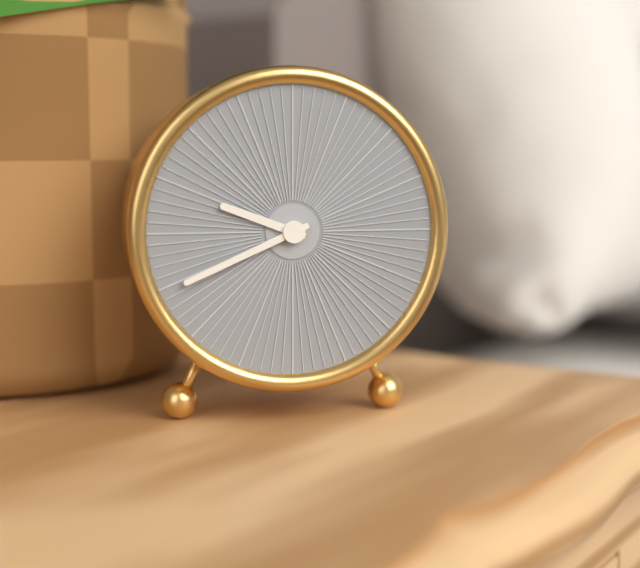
9:41
